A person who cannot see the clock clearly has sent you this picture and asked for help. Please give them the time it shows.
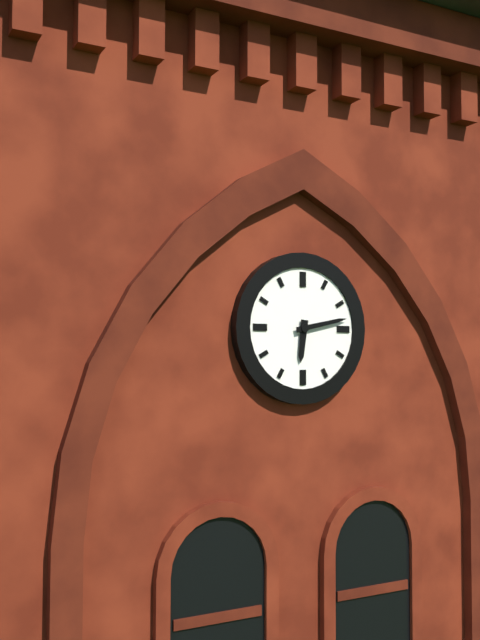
6:13
